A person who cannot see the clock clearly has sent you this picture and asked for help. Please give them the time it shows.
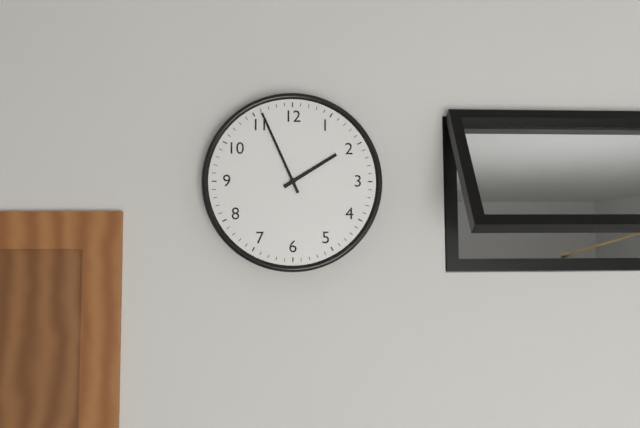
1:56
